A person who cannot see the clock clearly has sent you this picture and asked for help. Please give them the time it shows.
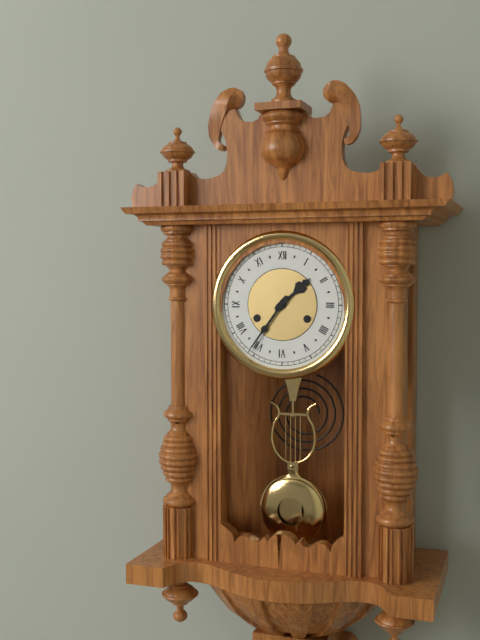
1:36
